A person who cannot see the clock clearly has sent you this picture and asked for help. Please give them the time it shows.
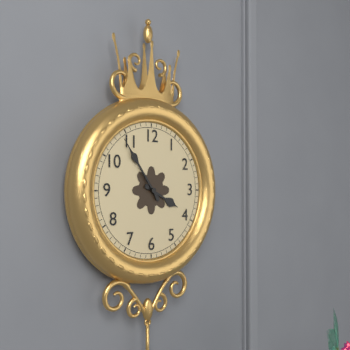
3:54
